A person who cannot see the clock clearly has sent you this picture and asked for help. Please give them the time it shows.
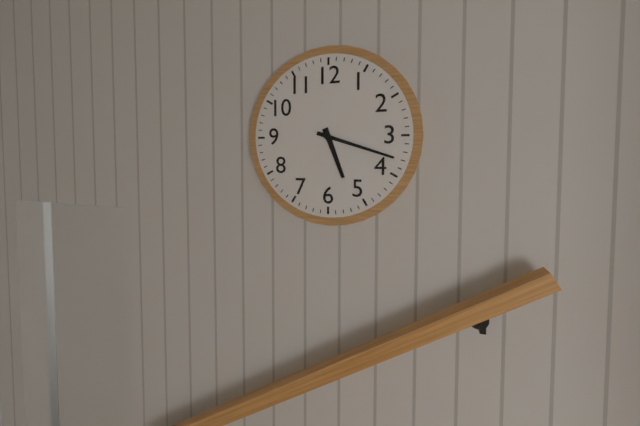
5:18
